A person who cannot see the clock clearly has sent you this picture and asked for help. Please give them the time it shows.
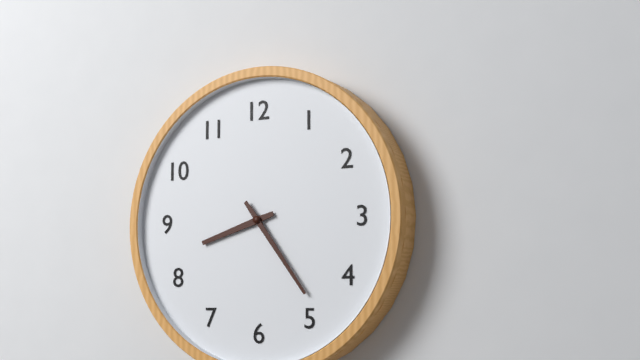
8:24
